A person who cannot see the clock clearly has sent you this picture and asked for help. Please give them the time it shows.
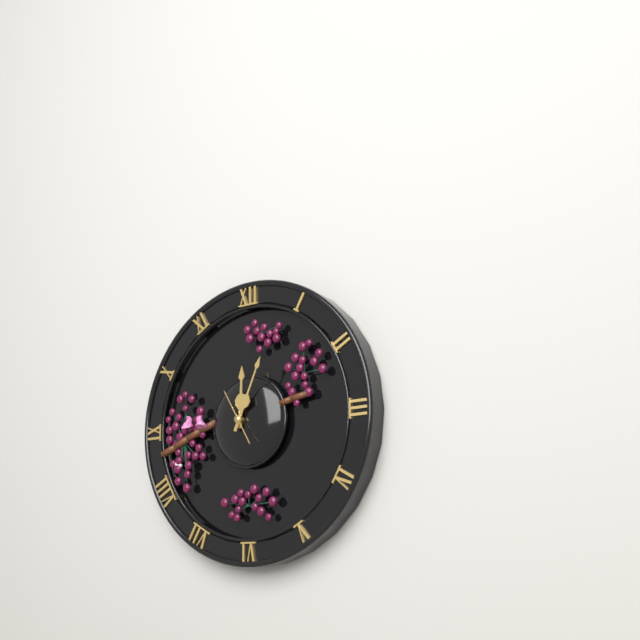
12:04
